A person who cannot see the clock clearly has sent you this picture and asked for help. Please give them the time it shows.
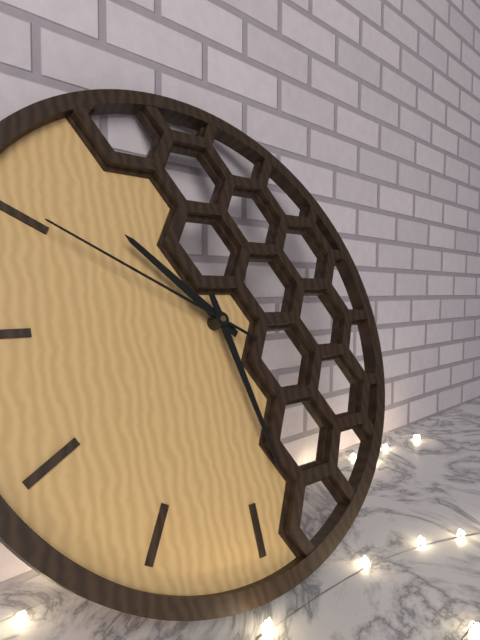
10:28:50
